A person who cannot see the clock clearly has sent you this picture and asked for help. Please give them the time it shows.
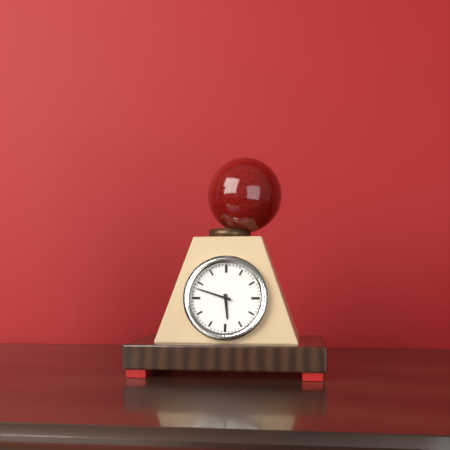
5:48
